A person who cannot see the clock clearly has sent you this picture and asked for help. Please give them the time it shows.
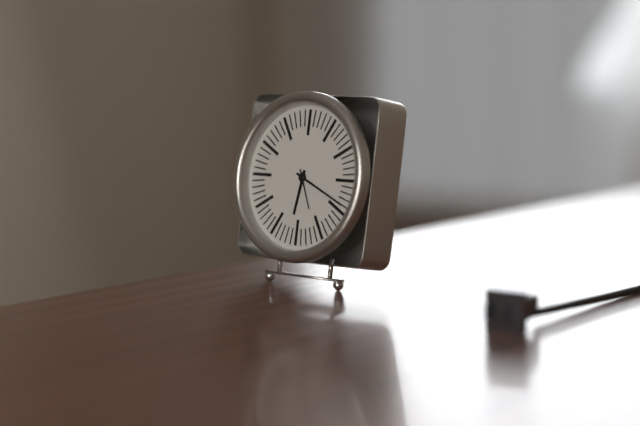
6:19
